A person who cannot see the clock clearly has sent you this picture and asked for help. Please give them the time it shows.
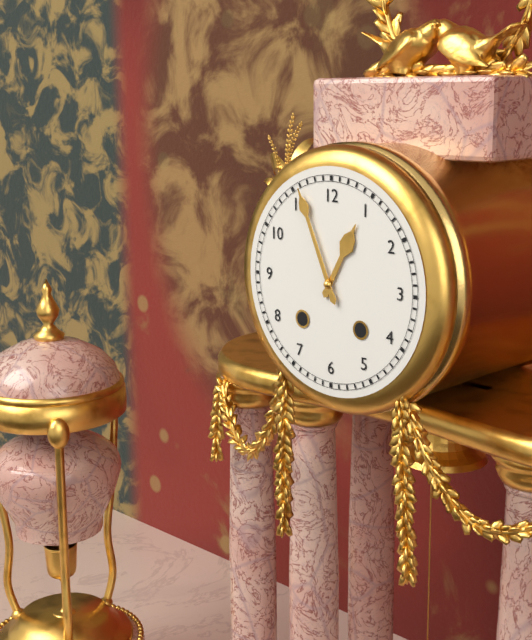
12:56
